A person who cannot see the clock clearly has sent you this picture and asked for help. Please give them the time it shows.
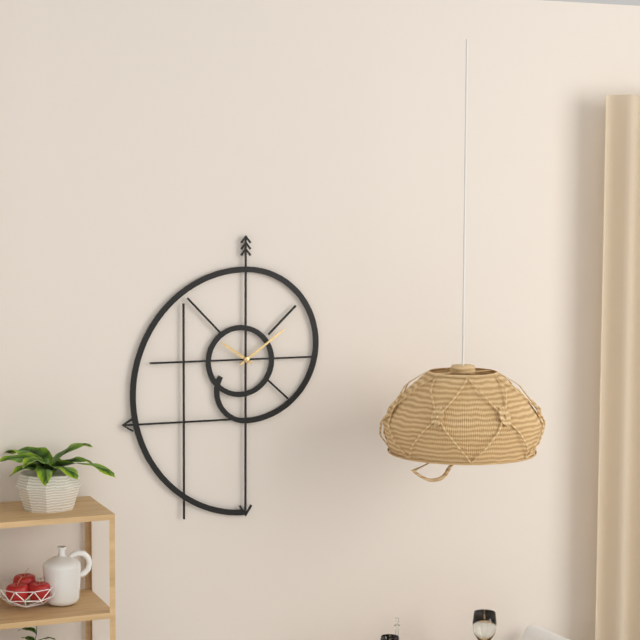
10:09
